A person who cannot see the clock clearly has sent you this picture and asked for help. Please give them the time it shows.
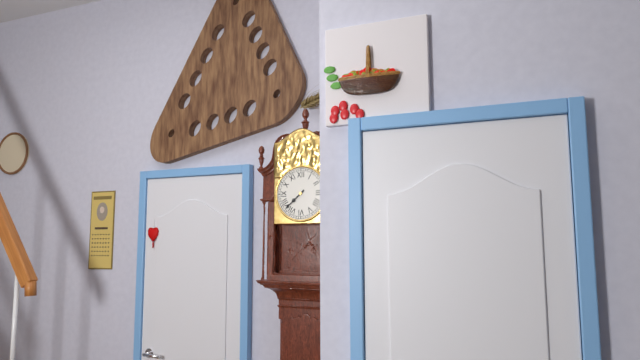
7:38
